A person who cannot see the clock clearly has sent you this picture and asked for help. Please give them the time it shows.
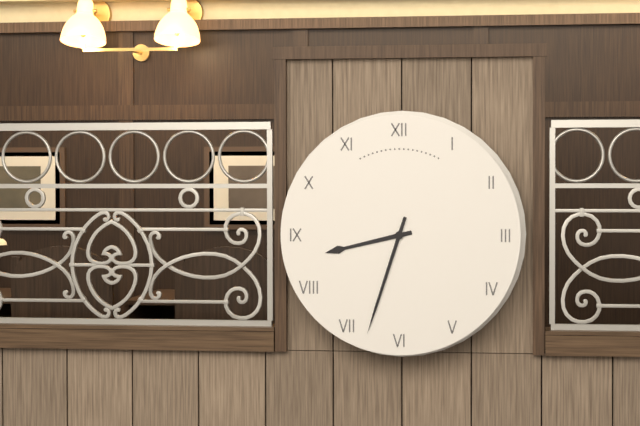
8:33
